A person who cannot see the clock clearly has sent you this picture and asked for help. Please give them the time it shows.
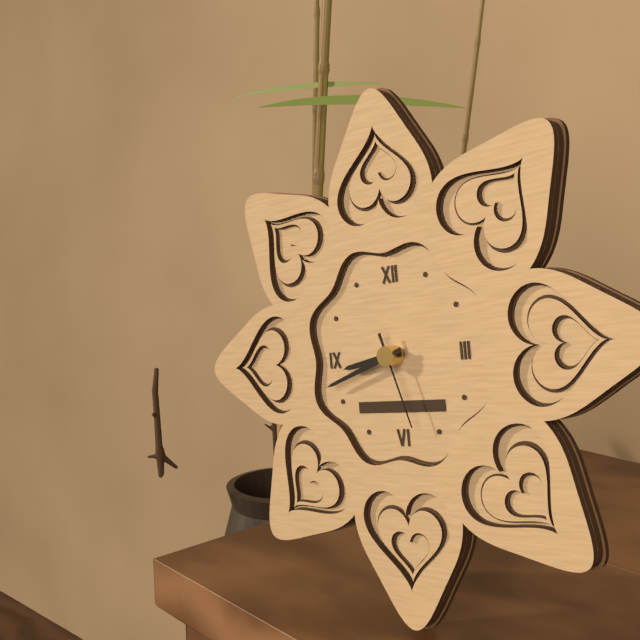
8:42:27
